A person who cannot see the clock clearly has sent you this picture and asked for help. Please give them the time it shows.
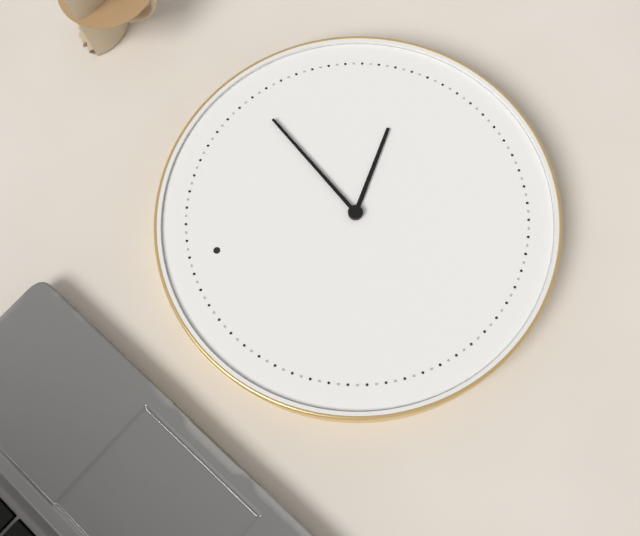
4:11
